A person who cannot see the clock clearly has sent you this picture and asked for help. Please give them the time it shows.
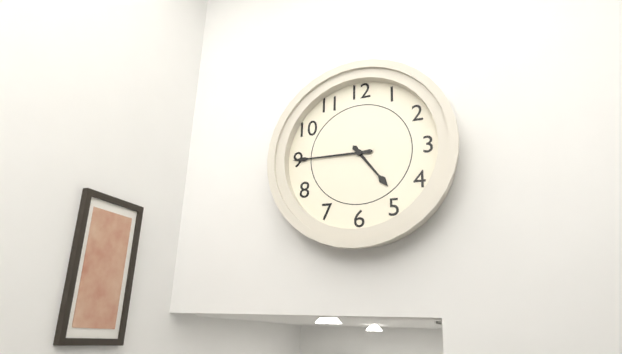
4:45
